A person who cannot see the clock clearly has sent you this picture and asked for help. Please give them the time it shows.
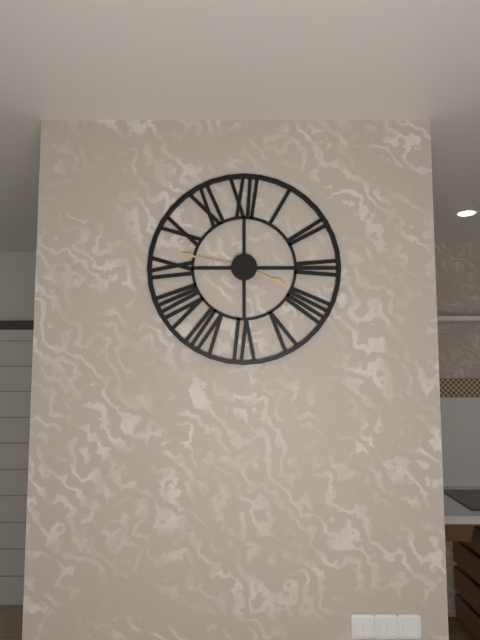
3:47
